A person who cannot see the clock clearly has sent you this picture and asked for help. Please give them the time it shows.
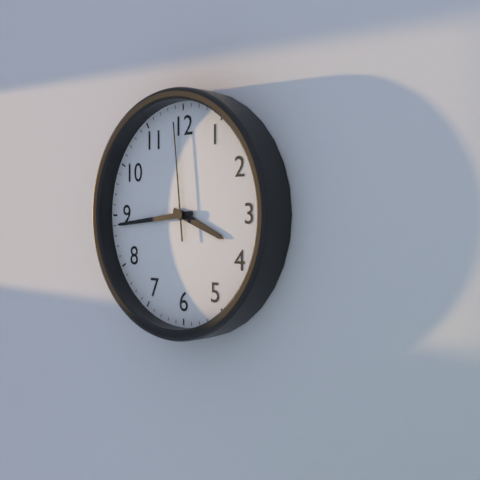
3:44:59
